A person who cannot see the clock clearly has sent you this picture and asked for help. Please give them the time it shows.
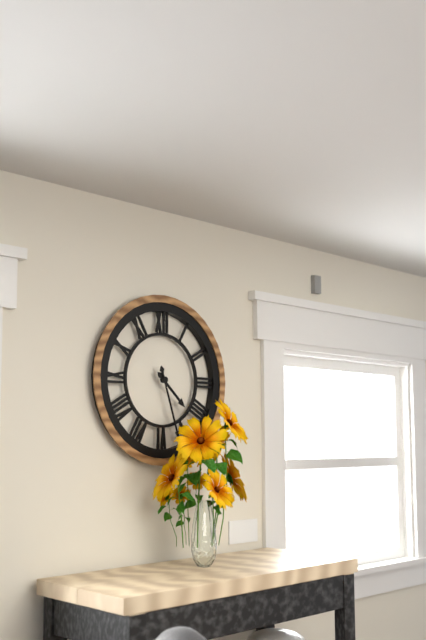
4:27
